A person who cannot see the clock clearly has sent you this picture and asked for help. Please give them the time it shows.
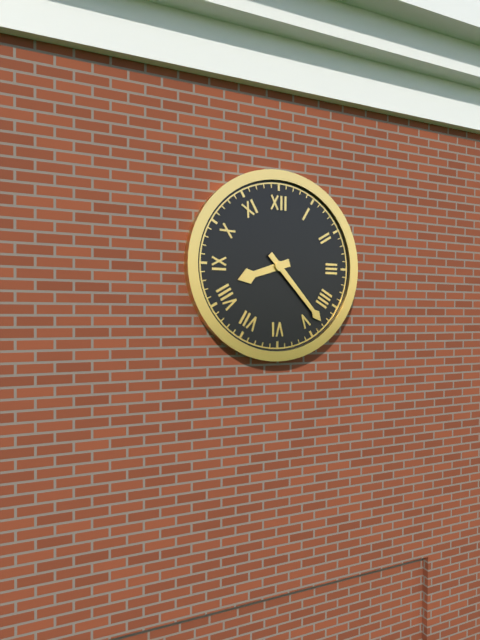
8:23
